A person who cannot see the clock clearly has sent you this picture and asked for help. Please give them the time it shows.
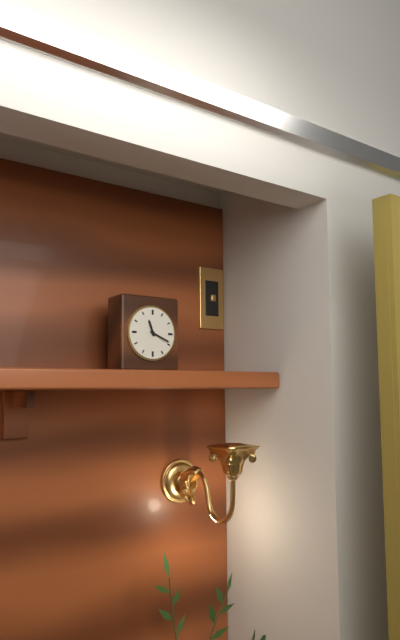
11:19
